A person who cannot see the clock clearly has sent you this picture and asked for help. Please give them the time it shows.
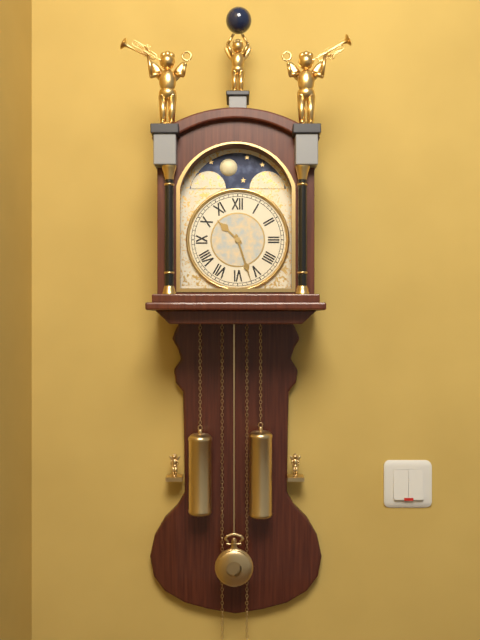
10:27
